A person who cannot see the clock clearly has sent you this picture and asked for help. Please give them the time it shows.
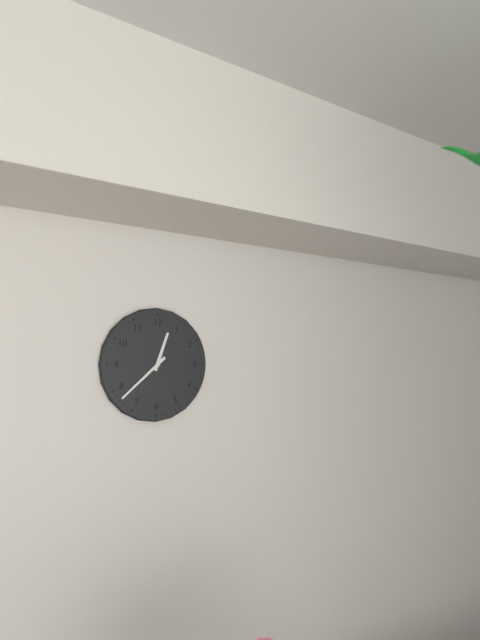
12:38
